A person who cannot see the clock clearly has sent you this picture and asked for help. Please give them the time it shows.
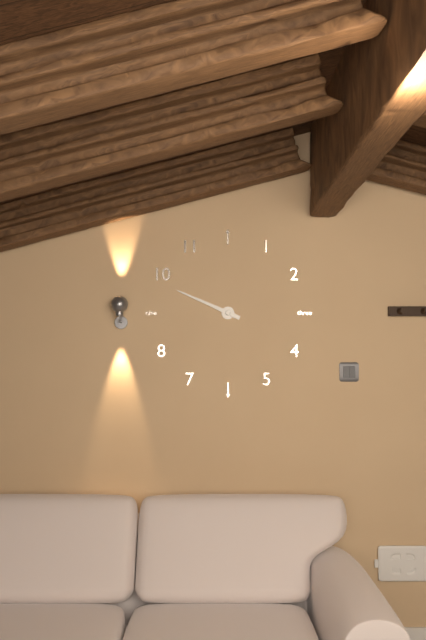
9:49
